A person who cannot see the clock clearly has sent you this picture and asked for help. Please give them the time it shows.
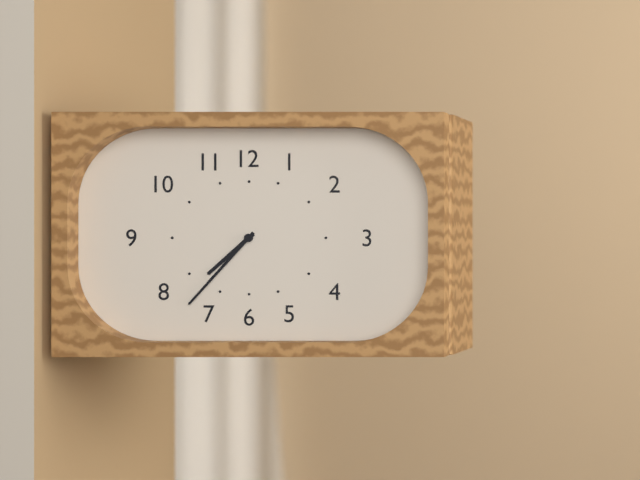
7:37
